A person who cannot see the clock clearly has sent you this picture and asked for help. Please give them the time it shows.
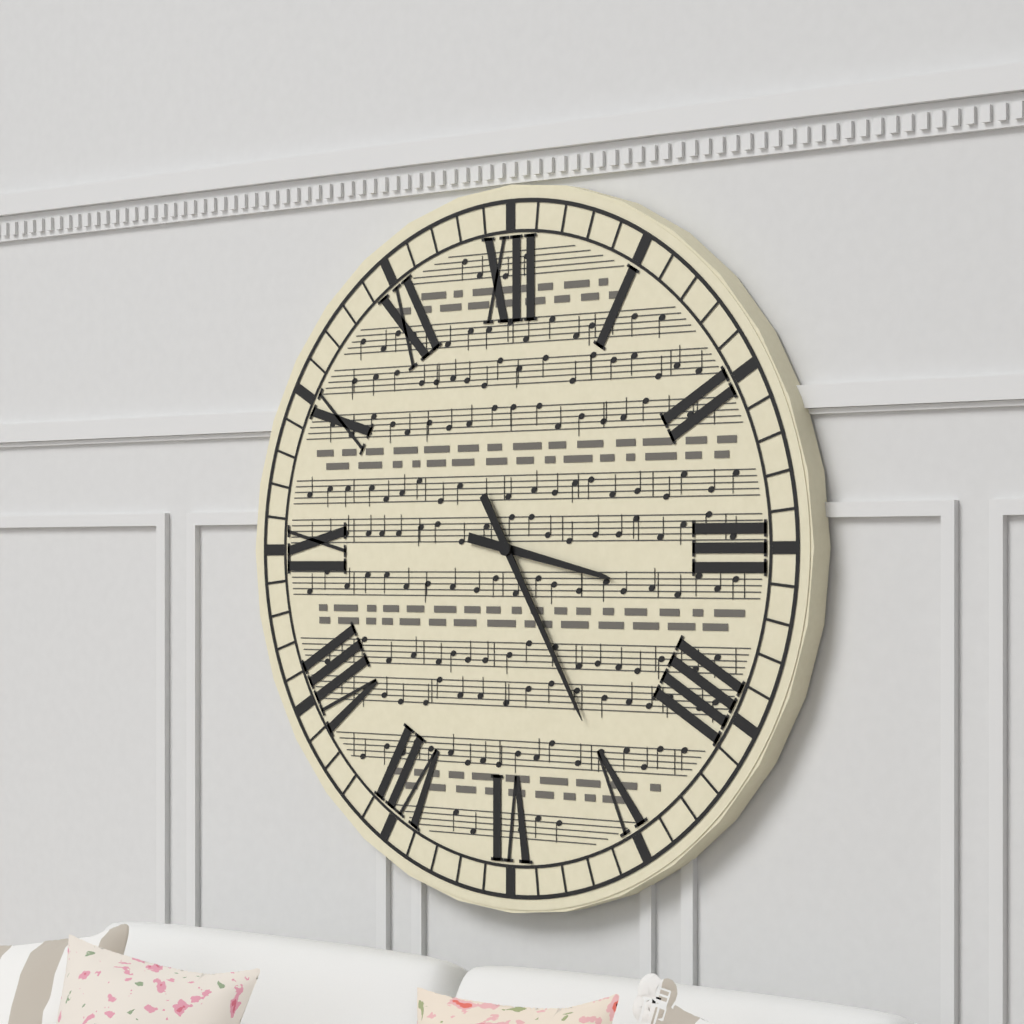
3:25
